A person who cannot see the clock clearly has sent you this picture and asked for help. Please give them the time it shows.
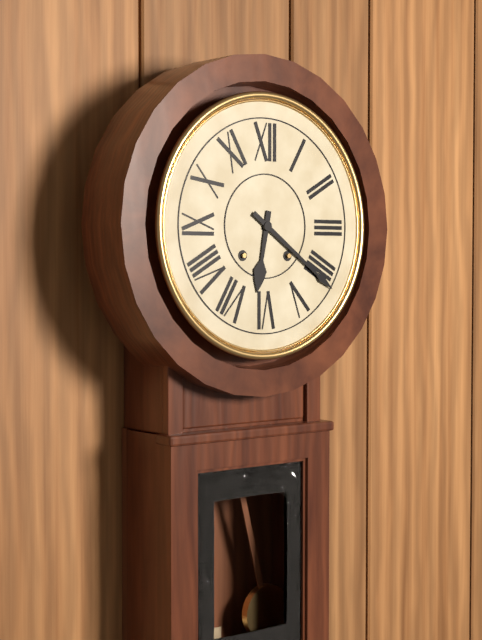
6:21
